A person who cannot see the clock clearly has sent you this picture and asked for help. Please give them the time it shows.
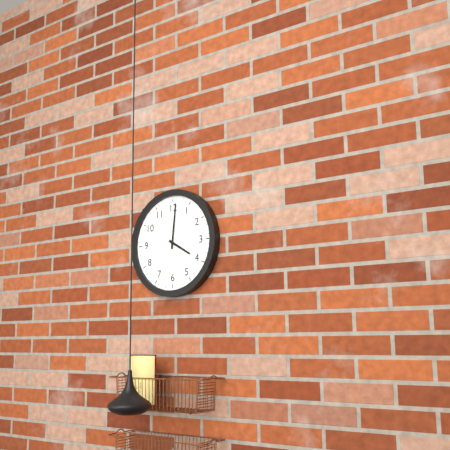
4:01
